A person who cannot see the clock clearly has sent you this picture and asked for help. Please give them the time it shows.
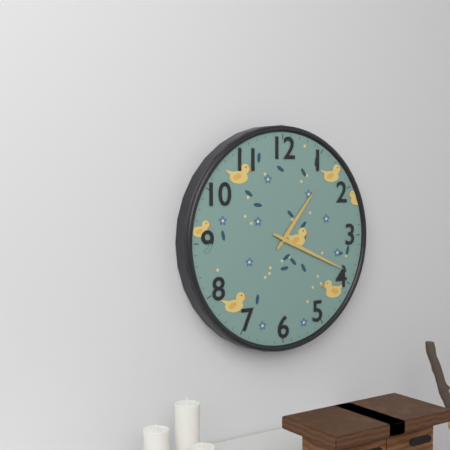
1:19
